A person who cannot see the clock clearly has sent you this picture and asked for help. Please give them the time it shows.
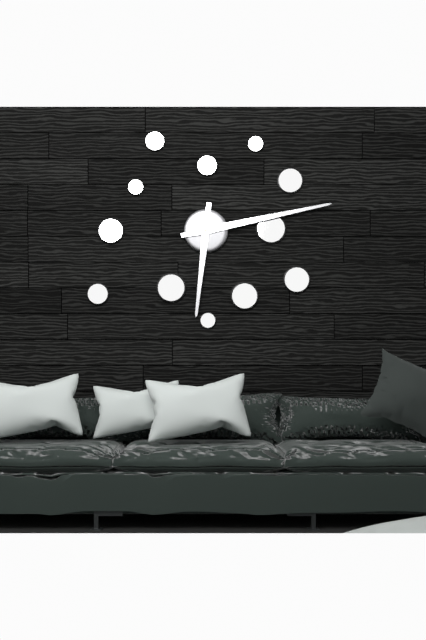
6:13
